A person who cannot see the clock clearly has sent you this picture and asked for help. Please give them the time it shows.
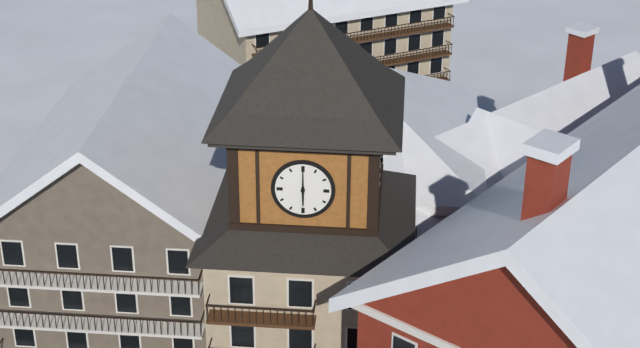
6:00
